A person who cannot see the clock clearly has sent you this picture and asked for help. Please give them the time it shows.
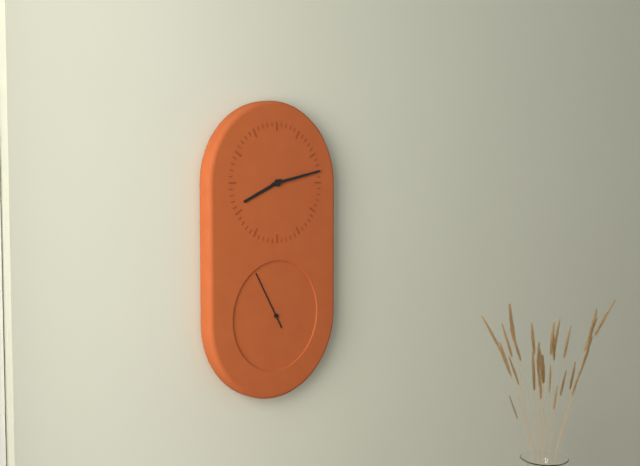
8:13:55
